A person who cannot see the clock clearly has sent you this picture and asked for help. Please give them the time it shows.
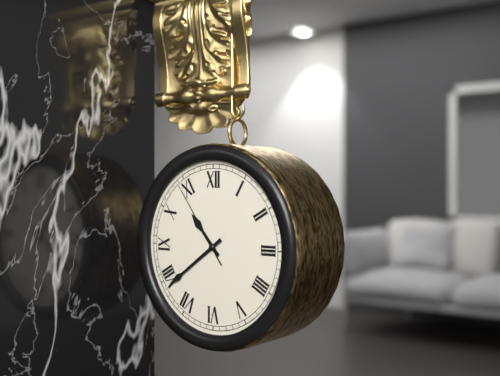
10:39:54
